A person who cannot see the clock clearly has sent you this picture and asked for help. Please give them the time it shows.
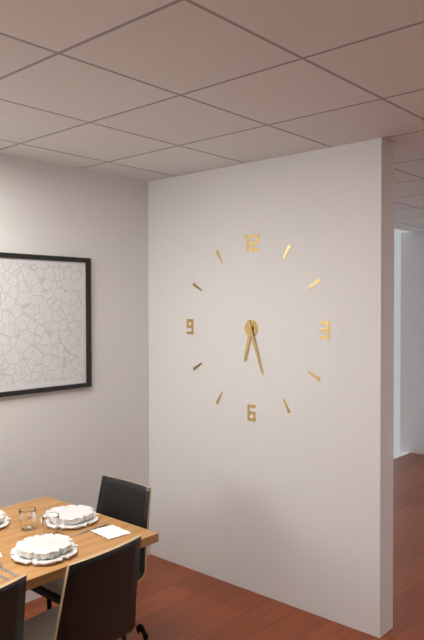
6:27
